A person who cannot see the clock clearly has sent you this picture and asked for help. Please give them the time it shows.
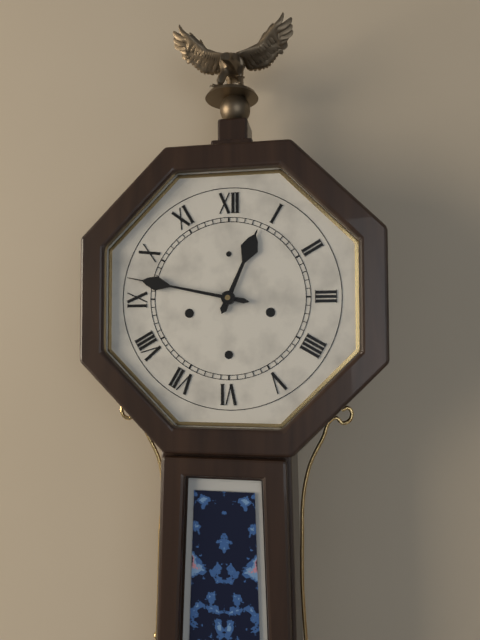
12:47
